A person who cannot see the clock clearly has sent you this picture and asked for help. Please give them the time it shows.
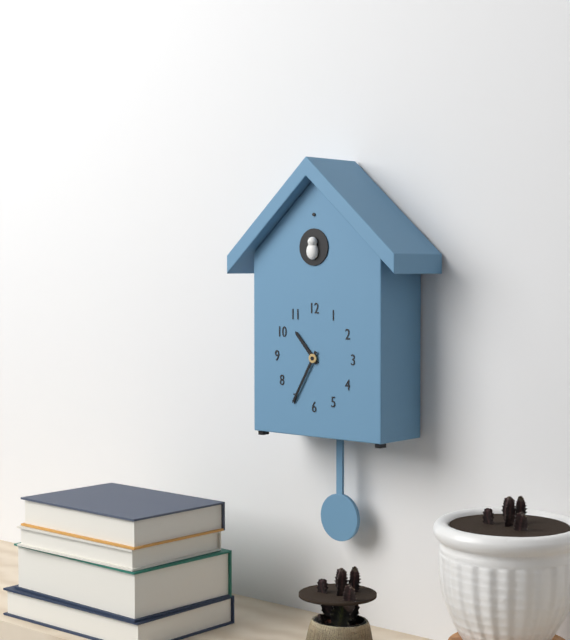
10:35
